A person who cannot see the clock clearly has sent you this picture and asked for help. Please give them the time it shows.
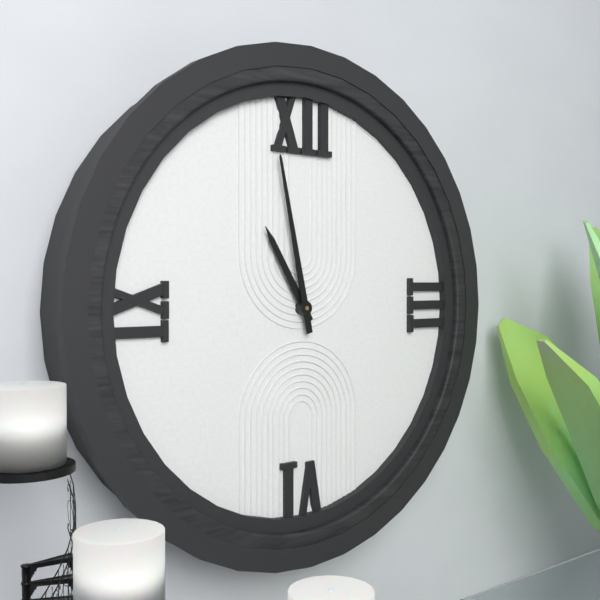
10:58
